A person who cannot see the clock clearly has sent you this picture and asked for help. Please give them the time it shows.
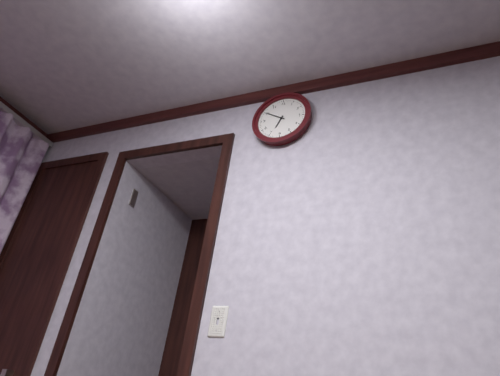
6:50
